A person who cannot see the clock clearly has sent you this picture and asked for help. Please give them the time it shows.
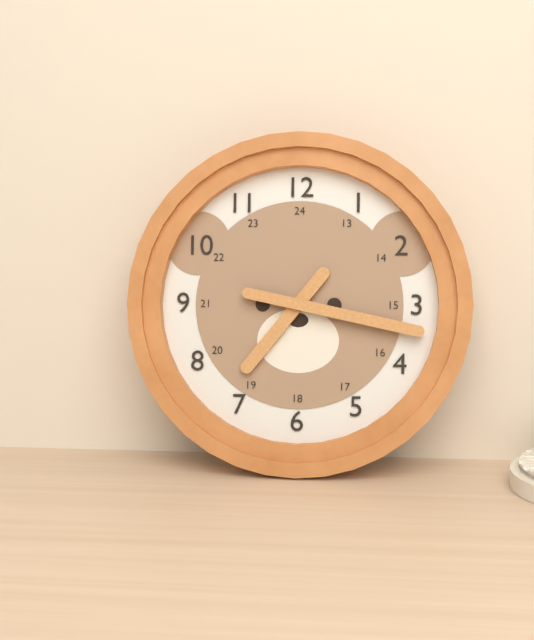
7:17
